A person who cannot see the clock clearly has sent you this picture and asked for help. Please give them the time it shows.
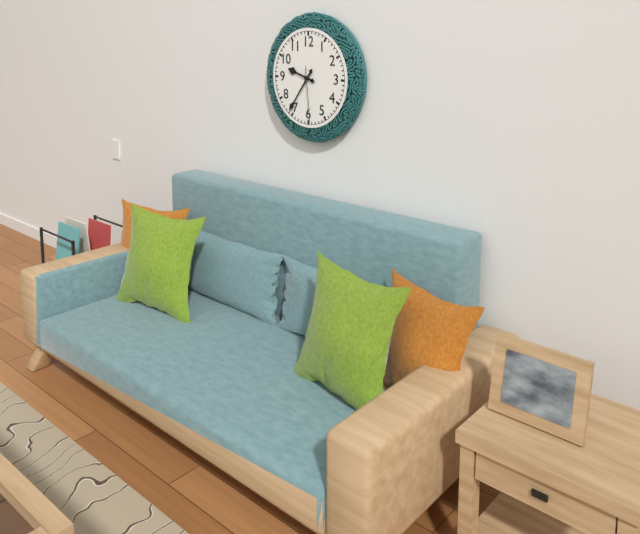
9:36:29
